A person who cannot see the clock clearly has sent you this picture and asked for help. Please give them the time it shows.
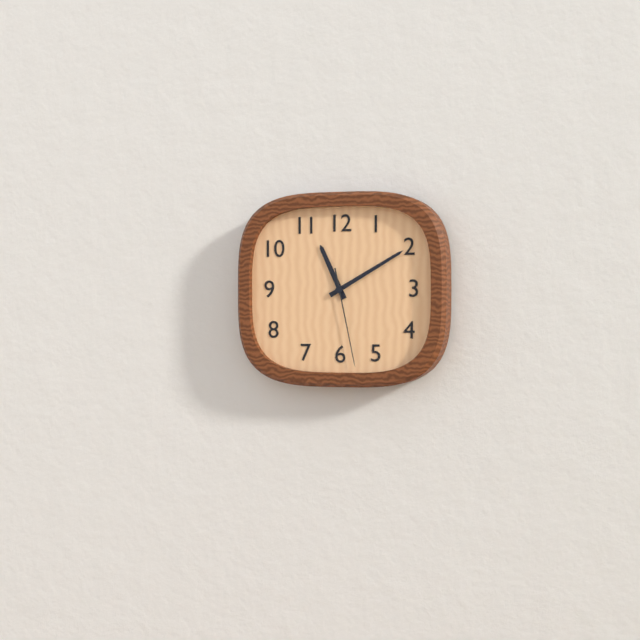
11:10:28
